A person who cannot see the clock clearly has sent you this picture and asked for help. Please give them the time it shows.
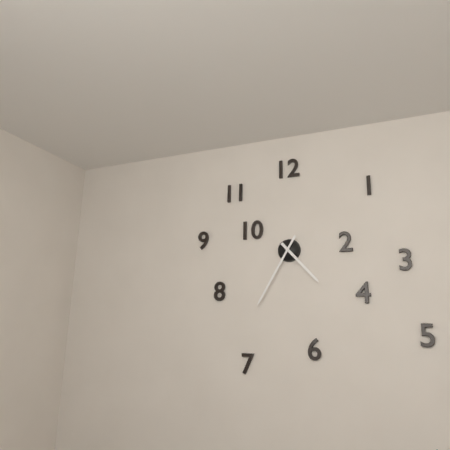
4:35
